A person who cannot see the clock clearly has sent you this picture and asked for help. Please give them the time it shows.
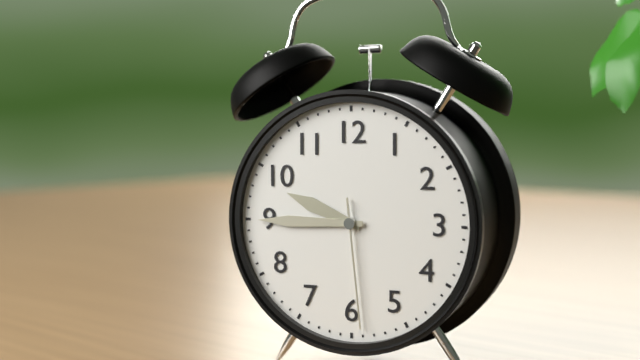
9:45:29
